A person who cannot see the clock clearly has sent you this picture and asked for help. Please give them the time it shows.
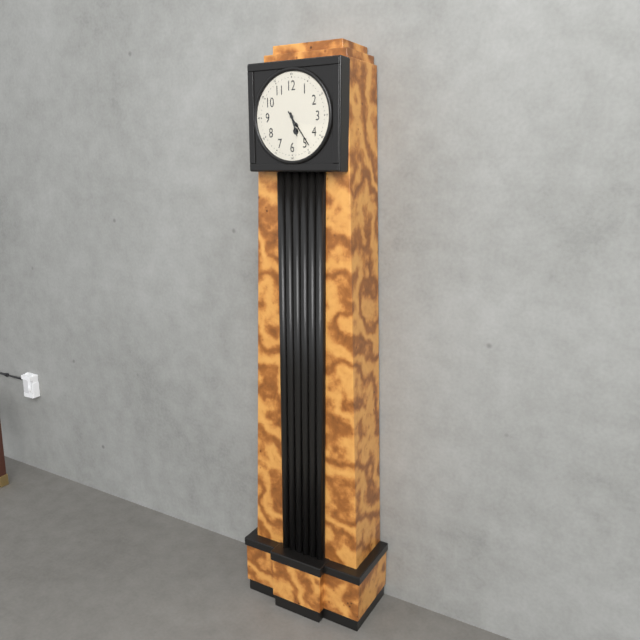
5:24
